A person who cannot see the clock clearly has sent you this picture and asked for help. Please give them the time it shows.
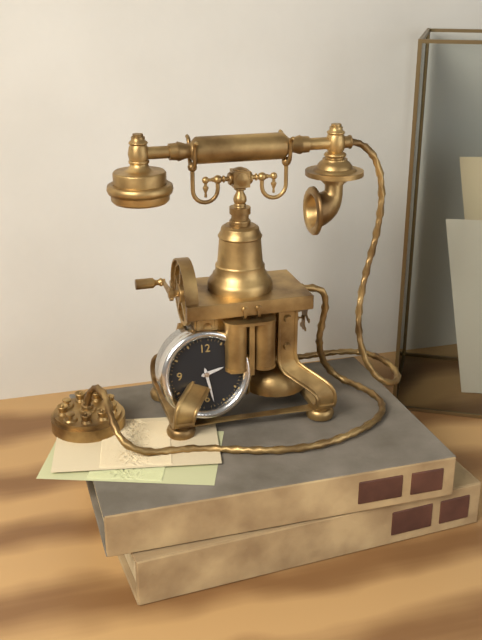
2:28
